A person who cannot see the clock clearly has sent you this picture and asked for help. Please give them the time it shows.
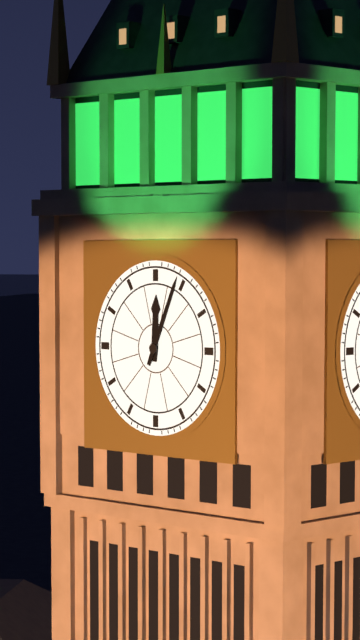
12:04
